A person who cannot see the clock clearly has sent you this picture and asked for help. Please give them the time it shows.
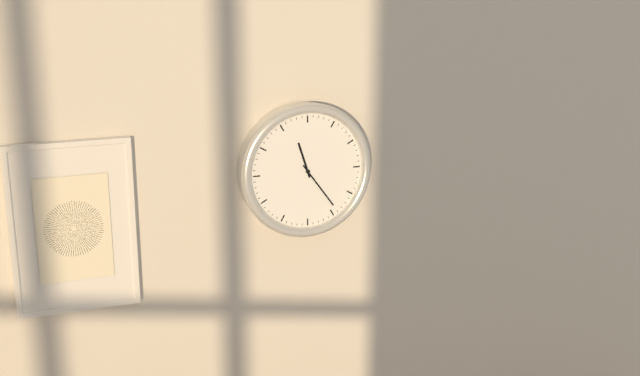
11:24
